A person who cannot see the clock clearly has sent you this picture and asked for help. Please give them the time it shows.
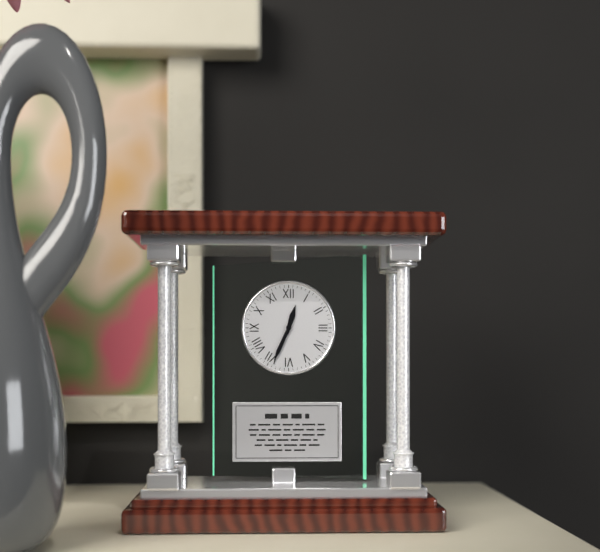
12:34
